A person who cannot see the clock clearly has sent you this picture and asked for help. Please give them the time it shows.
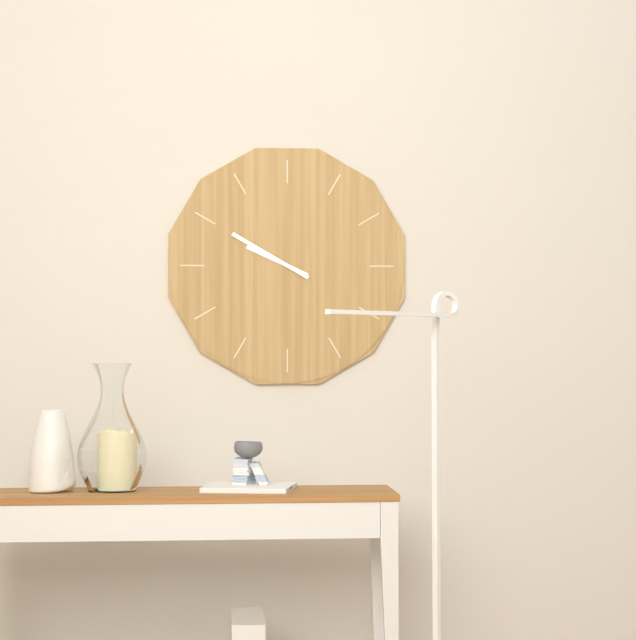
9:50
